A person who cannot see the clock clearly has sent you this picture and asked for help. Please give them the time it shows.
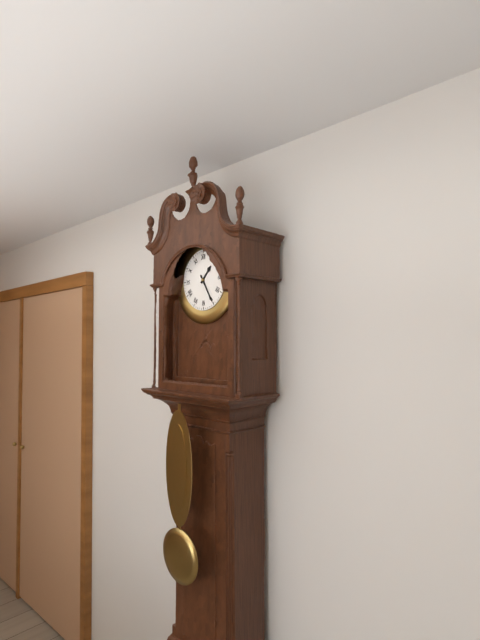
1:25
